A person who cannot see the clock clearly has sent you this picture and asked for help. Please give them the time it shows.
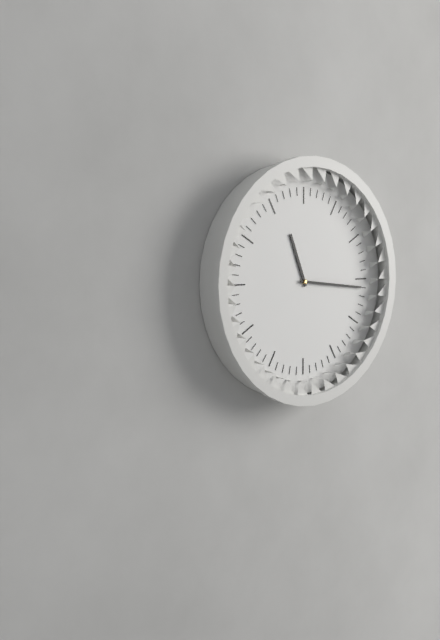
11:16
